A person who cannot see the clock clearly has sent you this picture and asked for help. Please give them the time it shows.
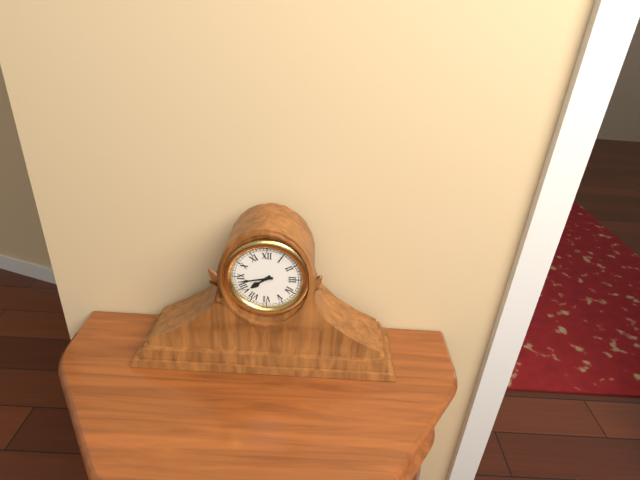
7:43
